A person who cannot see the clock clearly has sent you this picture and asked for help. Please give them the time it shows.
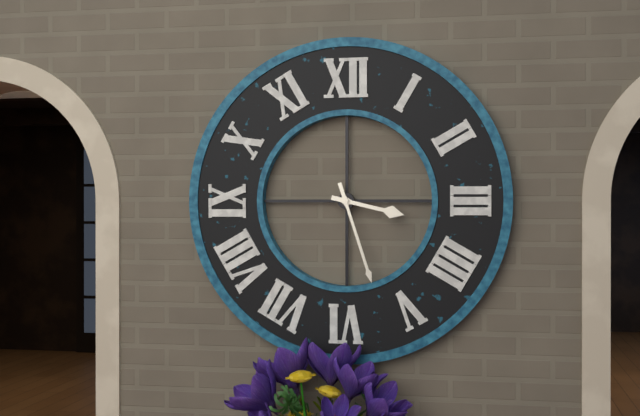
3:27
